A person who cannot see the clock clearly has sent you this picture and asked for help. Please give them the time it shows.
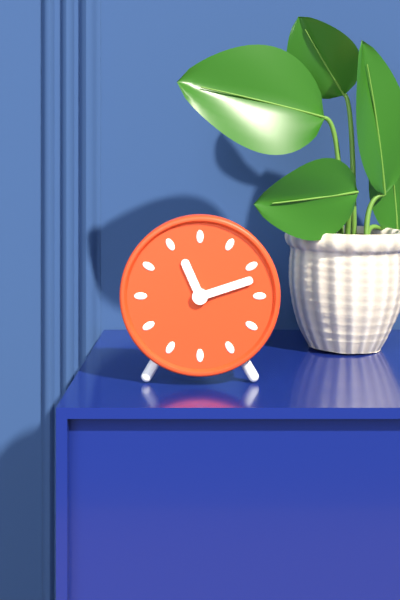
11:12
